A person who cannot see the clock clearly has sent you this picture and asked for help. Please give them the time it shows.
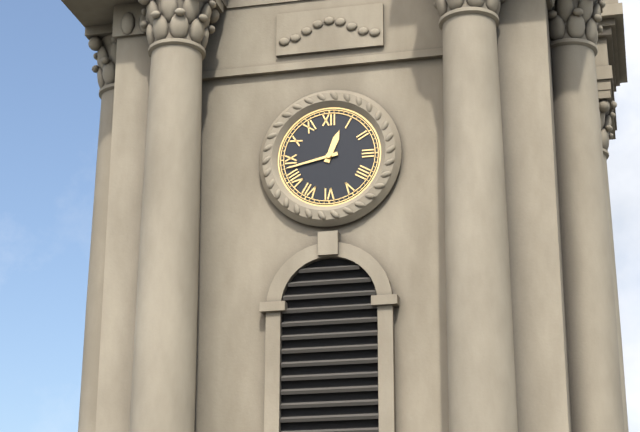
12:43
